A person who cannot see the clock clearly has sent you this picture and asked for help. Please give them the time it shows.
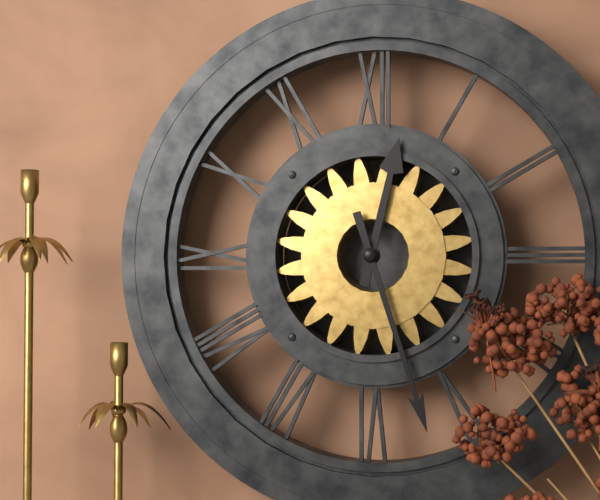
12:27
